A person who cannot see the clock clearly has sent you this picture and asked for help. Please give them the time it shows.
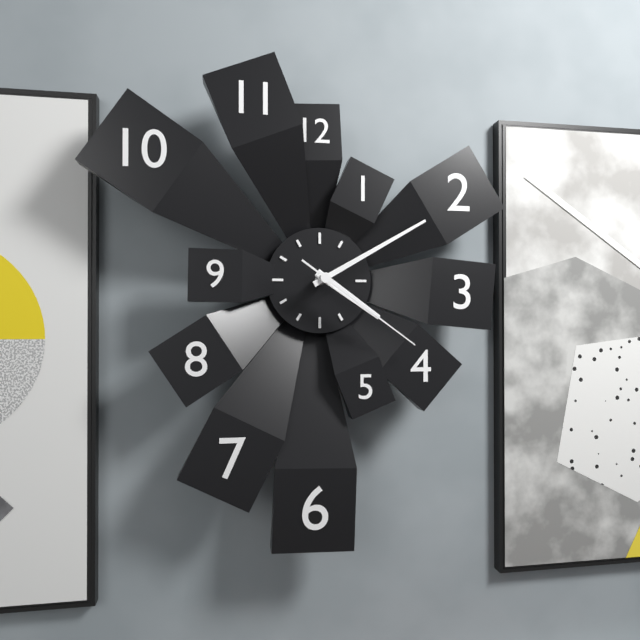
4:10:21
